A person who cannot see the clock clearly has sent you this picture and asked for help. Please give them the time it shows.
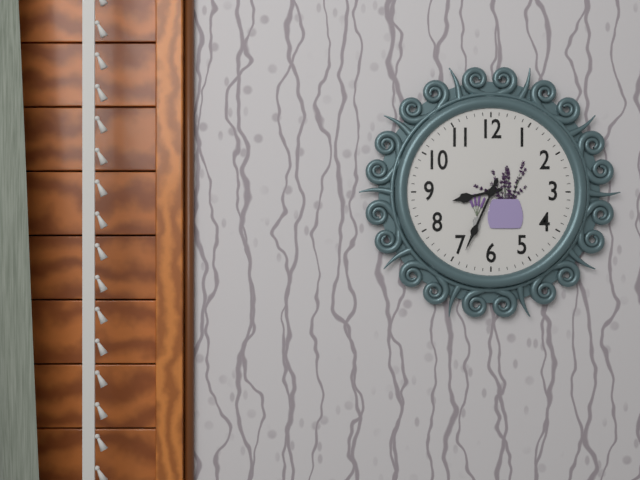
8:34
